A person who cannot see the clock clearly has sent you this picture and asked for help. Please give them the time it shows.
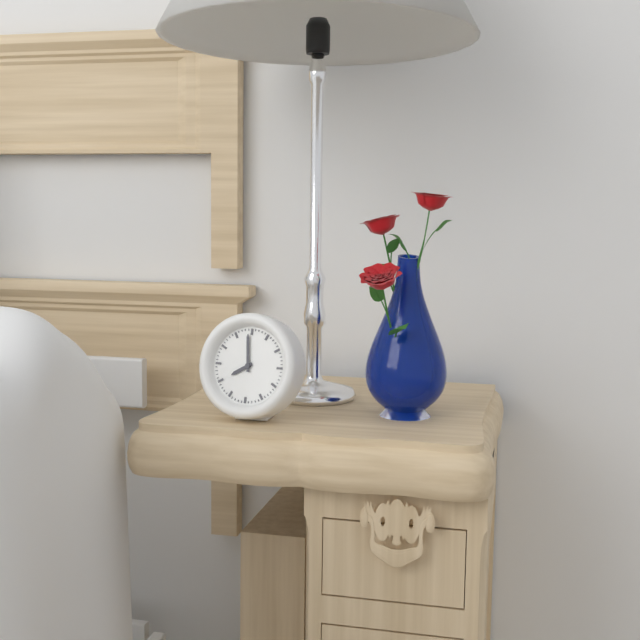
7:59
